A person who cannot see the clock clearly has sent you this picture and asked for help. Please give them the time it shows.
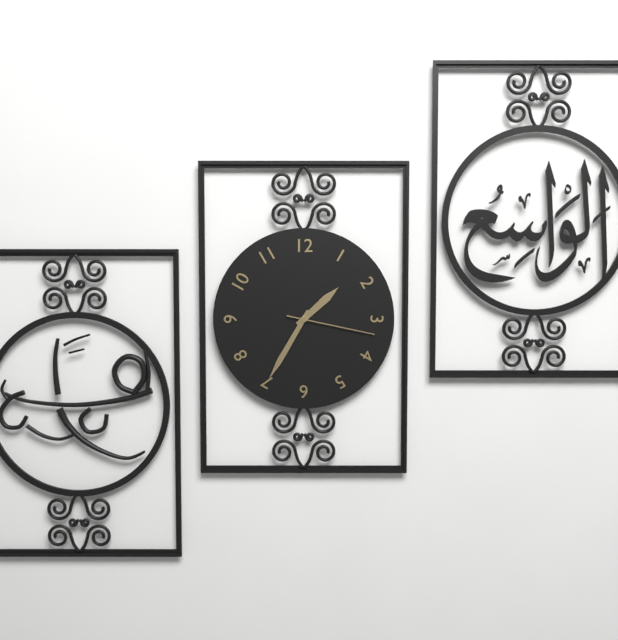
1:35:17
